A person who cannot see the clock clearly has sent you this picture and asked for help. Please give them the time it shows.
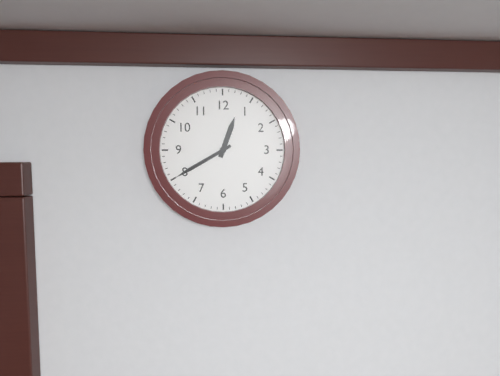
12:40
